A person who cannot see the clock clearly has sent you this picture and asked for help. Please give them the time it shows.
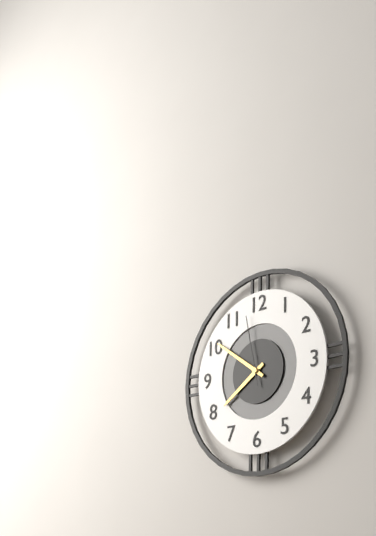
7:51:58
